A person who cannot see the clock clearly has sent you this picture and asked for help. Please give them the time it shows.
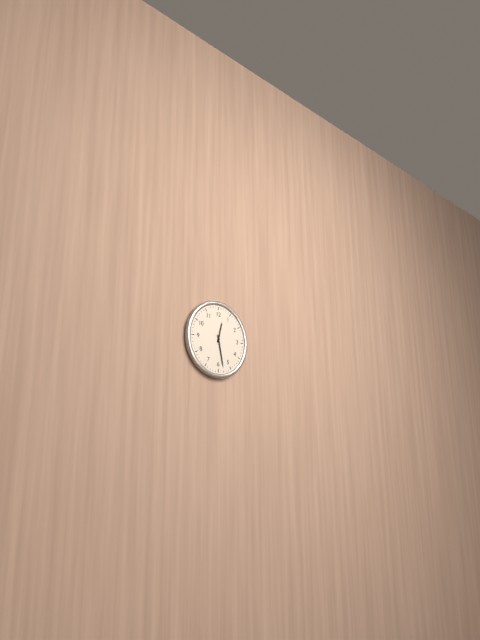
12:28
